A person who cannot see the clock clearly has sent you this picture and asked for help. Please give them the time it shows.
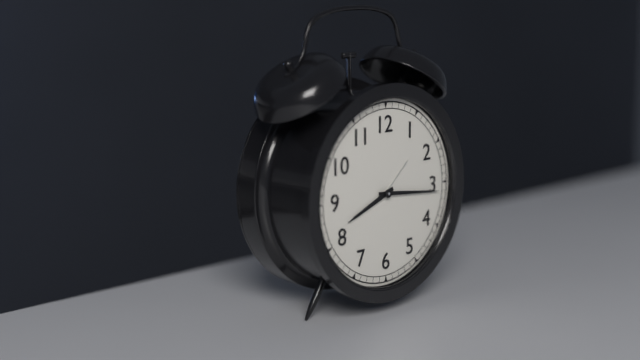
8:16
